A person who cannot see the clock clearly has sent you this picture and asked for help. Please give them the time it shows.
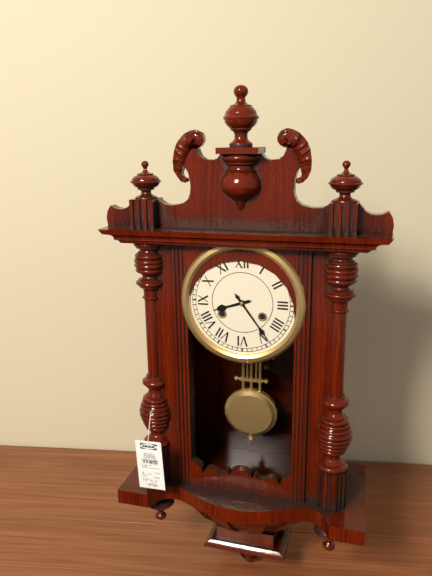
8:24
